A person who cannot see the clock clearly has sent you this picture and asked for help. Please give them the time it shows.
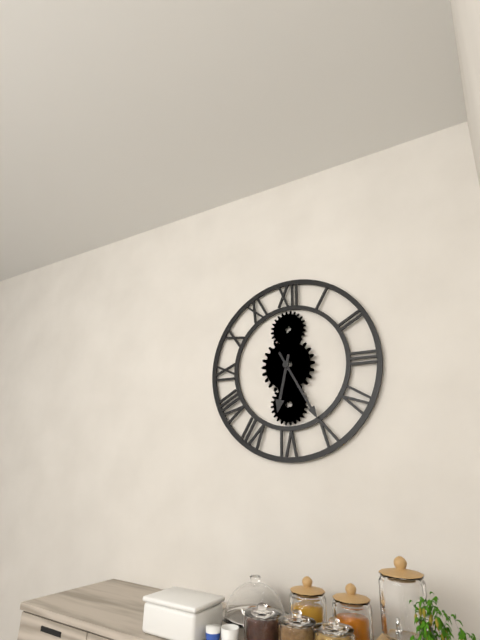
6:25
